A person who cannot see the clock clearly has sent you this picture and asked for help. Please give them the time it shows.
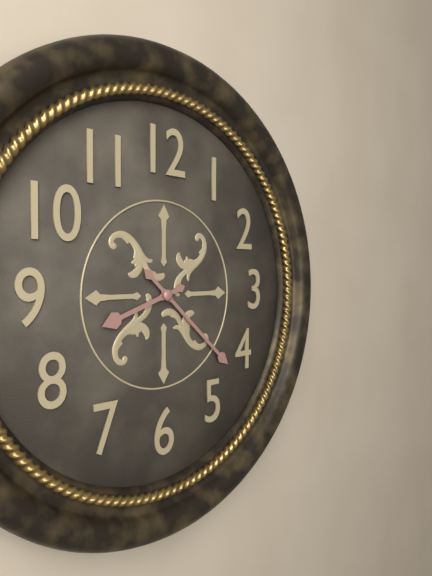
8:22
